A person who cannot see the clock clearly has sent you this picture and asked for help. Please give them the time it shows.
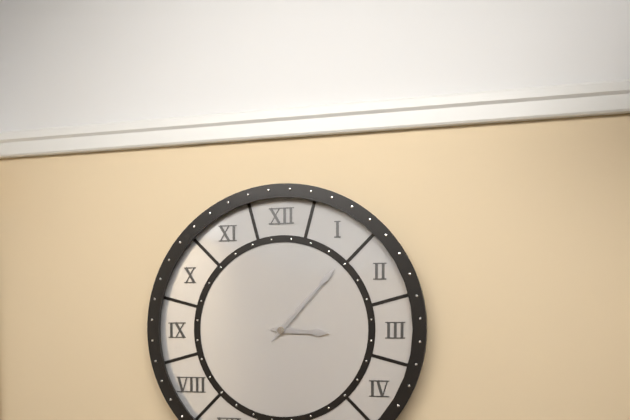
3:07
